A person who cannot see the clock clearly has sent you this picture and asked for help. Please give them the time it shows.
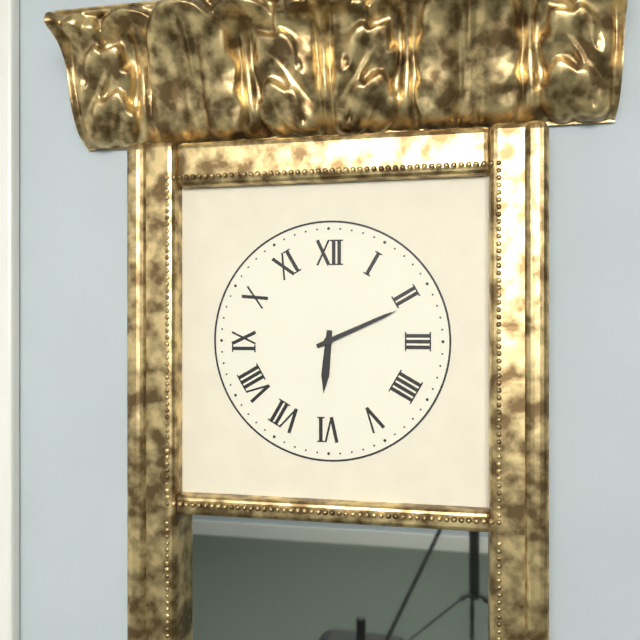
6:11
